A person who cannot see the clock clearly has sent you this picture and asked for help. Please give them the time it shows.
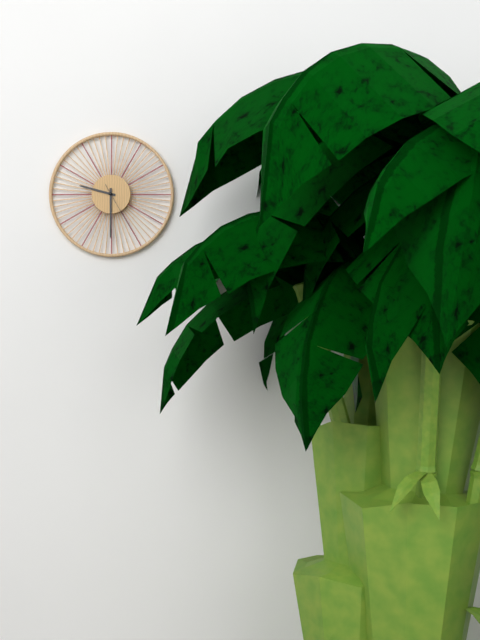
9:30
